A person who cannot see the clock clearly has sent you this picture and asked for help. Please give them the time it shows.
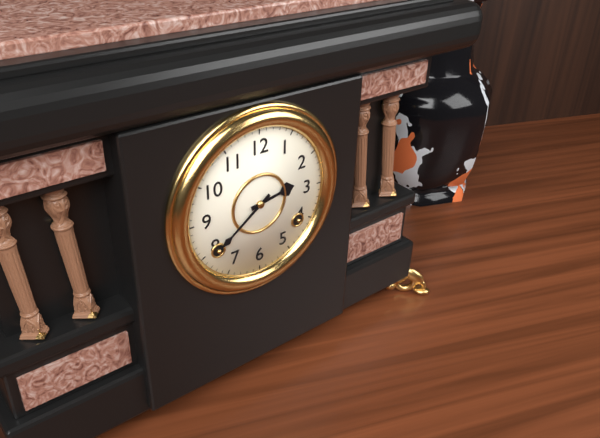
2:39
